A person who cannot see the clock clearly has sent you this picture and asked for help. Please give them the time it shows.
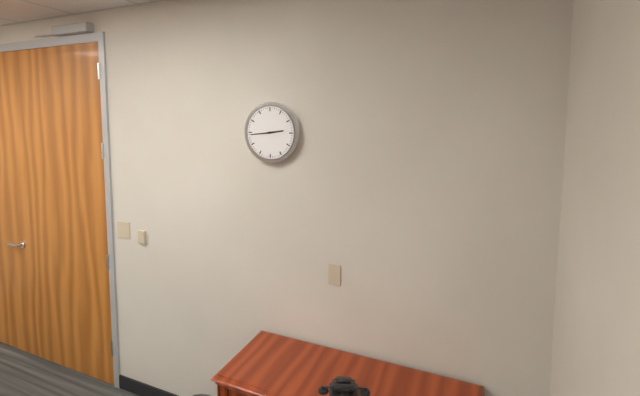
2:44
